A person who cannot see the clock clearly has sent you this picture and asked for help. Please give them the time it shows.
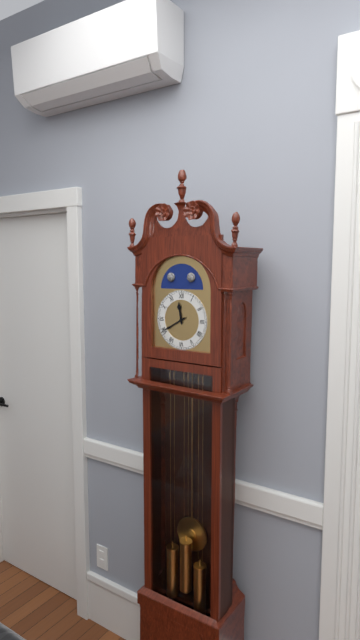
11:40
